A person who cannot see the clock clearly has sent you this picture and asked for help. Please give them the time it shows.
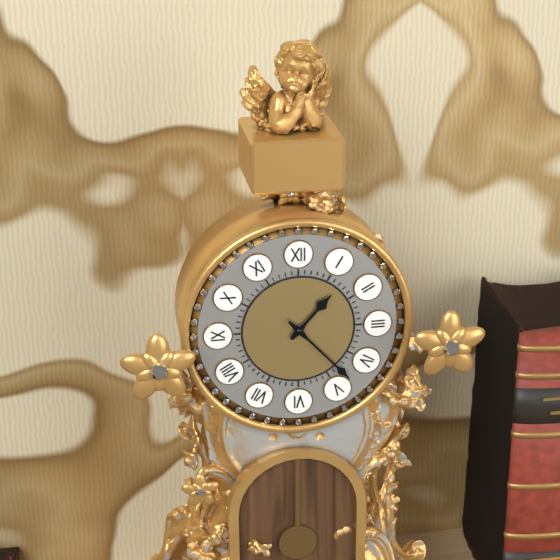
1:23
